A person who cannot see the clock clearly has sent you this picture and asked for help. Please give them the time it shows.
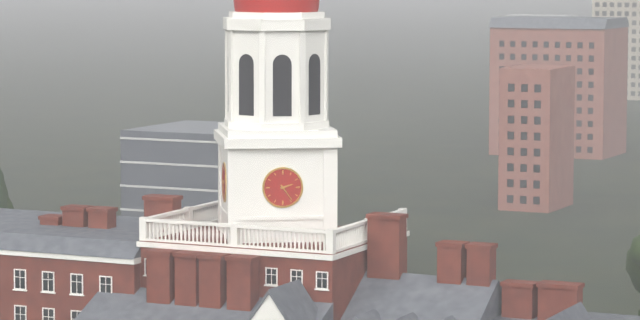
2:24
